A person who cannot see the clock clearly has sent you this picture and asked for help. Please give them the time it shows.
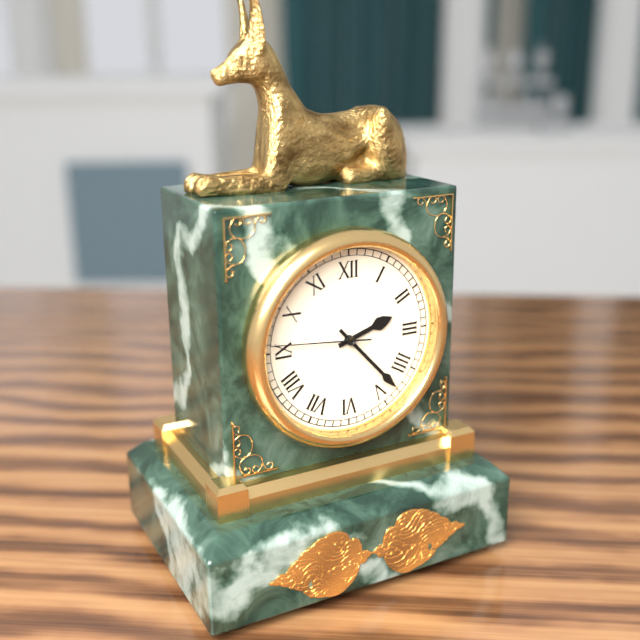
2:23:46
